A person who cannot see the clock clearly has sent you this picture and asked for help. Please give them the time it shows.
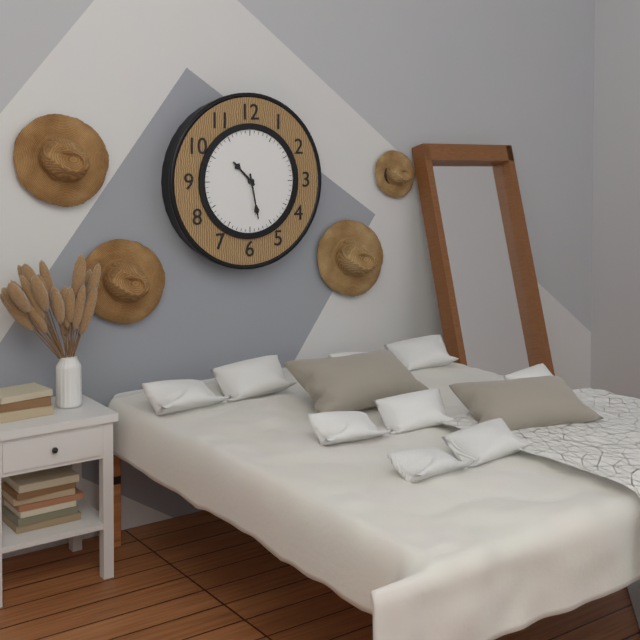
10:28
